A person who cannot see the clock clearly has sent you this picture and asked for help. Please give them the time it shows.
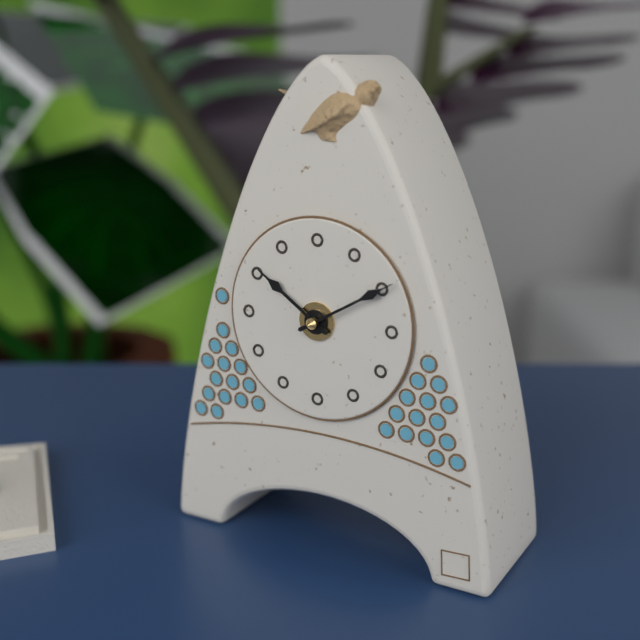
10:10
